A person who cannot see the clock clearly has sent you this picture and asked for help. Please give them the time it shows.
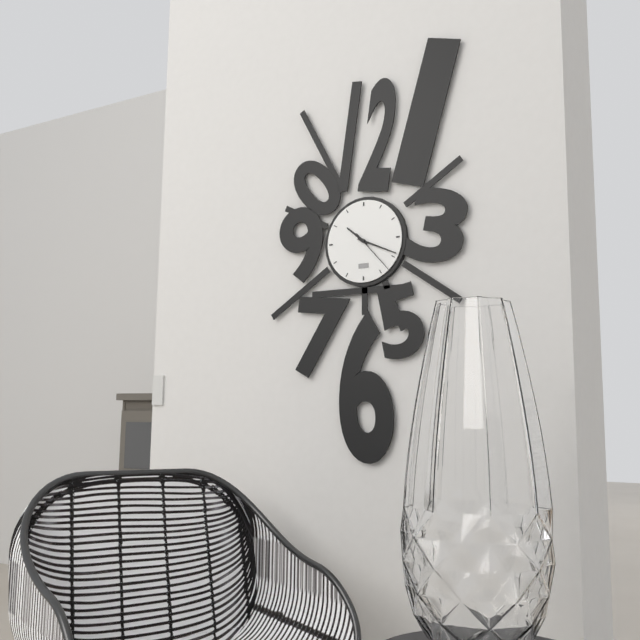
10:19:23
